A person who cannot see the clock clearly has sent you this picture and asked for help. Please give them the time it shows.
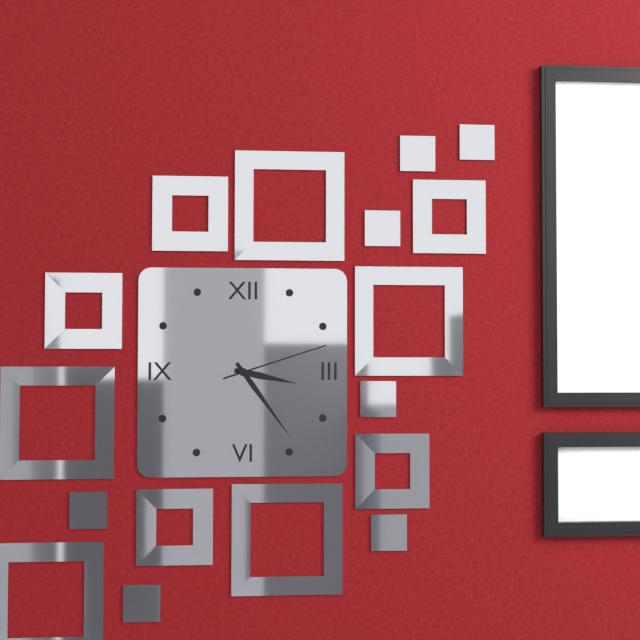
3:24:12
